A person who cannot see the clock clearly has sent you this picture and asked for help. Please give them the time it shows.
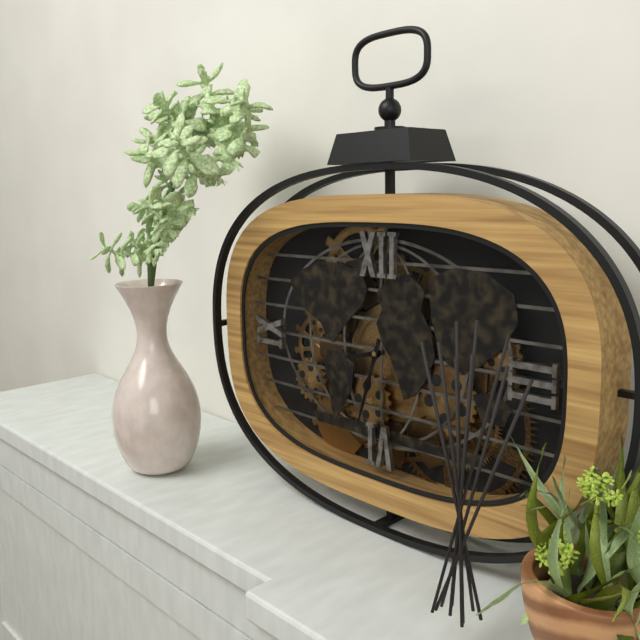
8:33
